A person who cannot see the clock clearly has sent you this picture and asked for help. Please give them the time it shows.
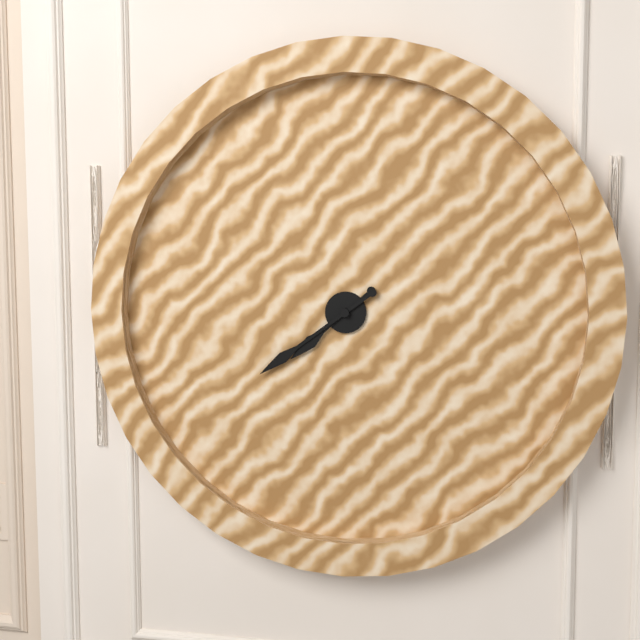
7:39
